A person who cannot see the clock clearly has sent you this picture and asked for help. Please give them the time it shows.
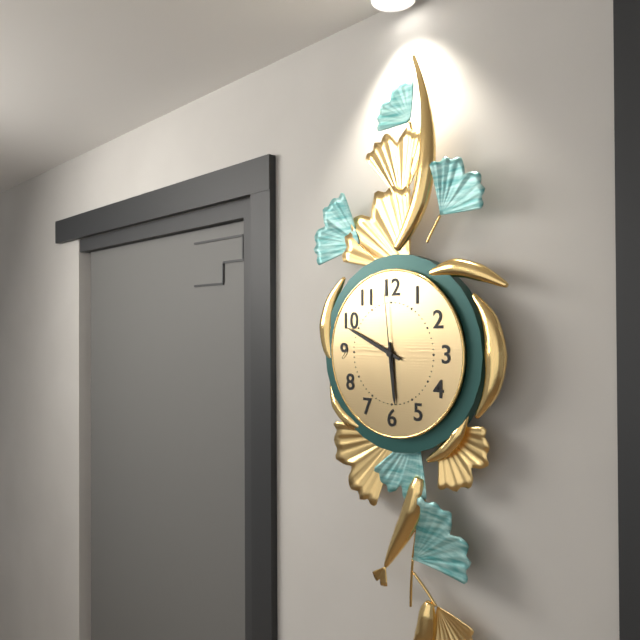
5:49:59
